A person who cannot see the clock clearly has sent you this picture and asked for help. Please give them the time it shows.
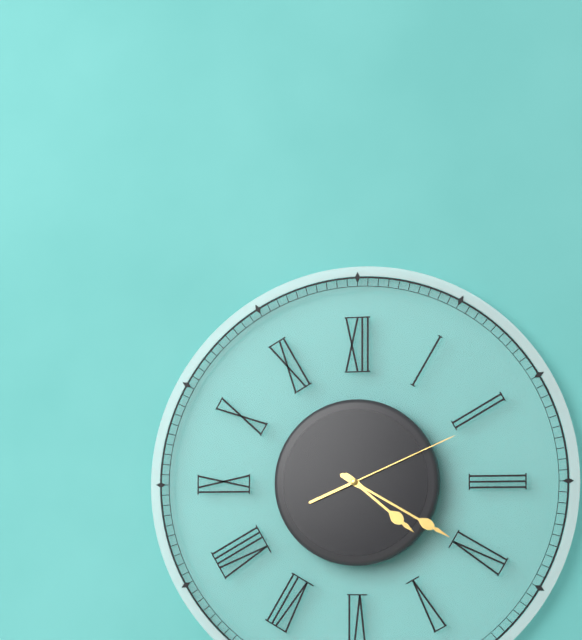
4:20:11
